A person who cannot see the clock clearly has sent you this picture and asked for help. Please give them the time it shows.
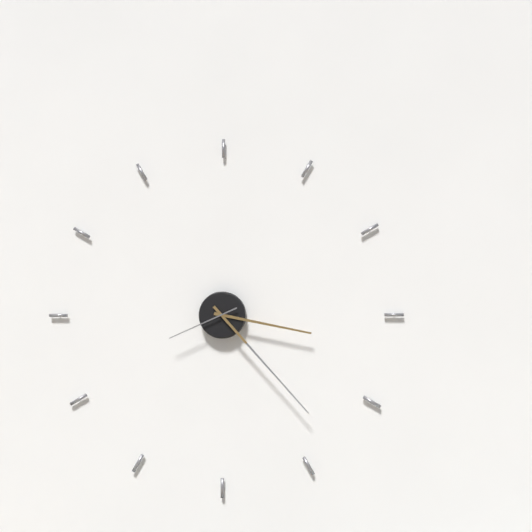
3:23:41
